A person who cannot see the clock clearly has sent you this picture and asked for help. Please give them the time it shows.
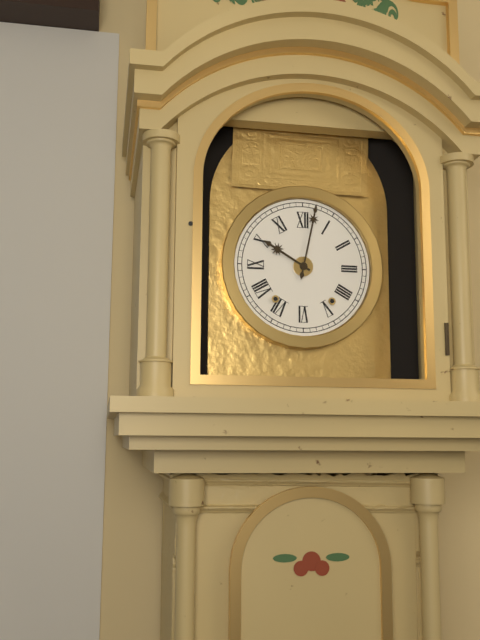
10:02
